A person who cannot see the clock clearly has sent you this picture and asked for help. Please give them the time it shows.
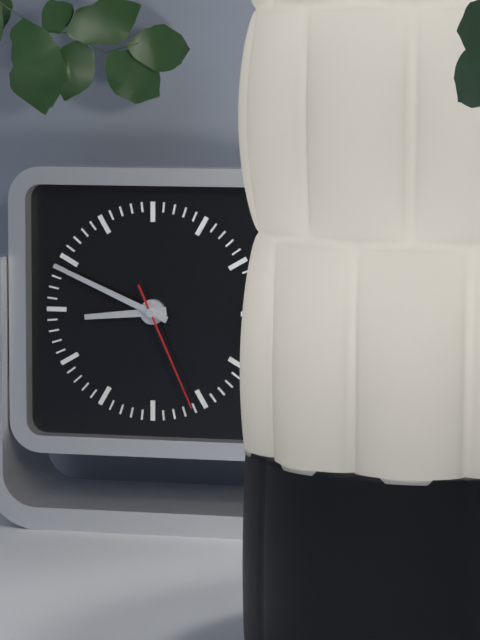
8:49:26
